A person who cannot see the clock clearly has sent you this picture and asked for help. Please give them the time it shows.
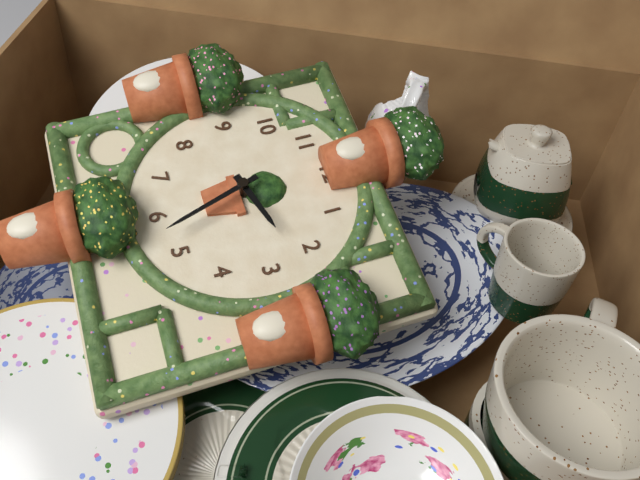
2:27
